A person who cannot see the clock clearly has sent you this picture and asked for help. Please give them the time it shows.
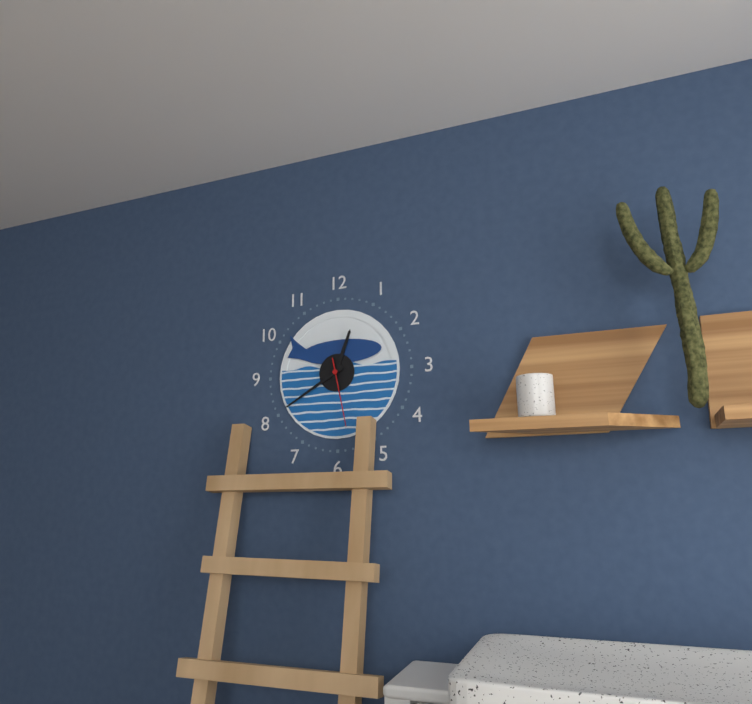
12:40:28
